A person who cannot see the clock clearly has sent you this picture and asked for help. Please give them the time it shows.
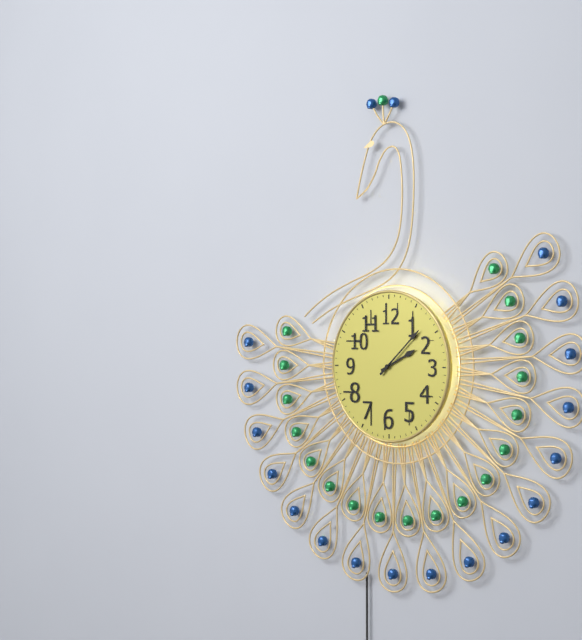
2:08
